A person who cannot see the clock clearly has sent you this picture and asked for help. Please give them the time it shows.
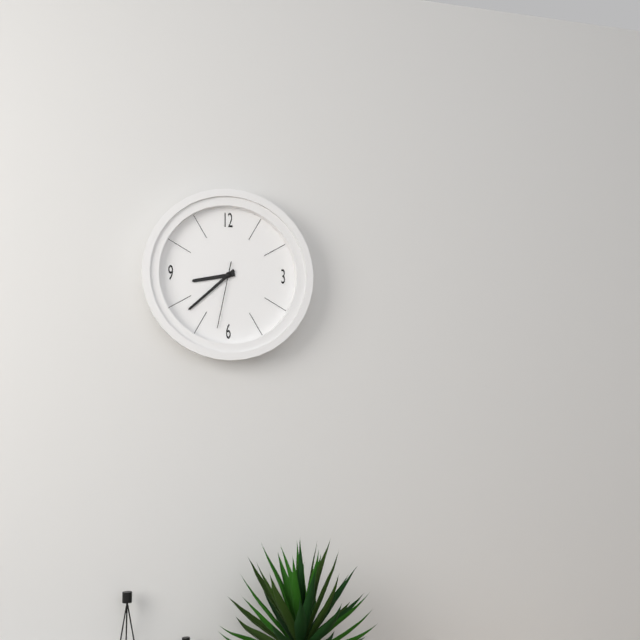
8:38:32
